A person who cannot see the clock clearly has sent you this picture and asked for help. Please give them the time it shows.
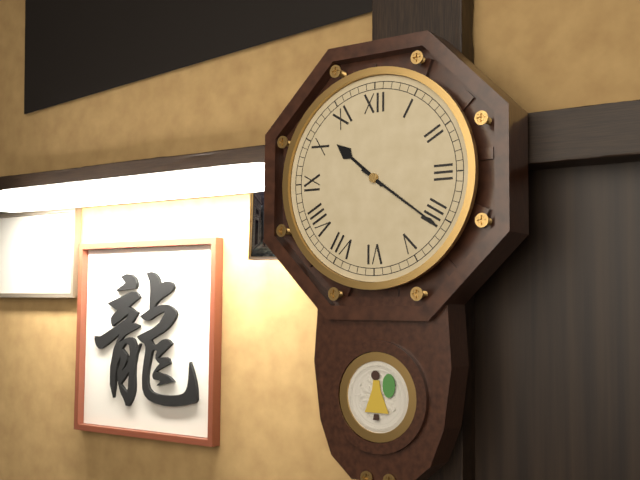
10:21
